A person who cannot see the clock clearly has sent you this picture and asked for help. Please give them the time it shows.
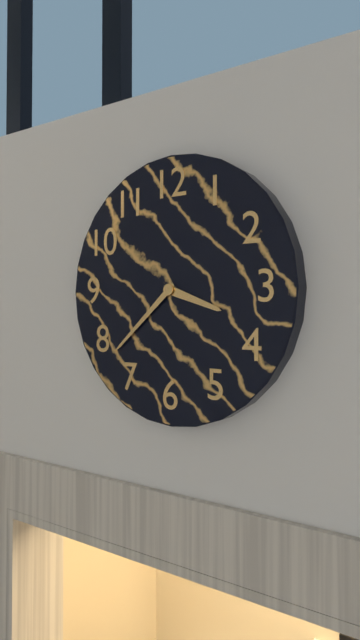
3:38
